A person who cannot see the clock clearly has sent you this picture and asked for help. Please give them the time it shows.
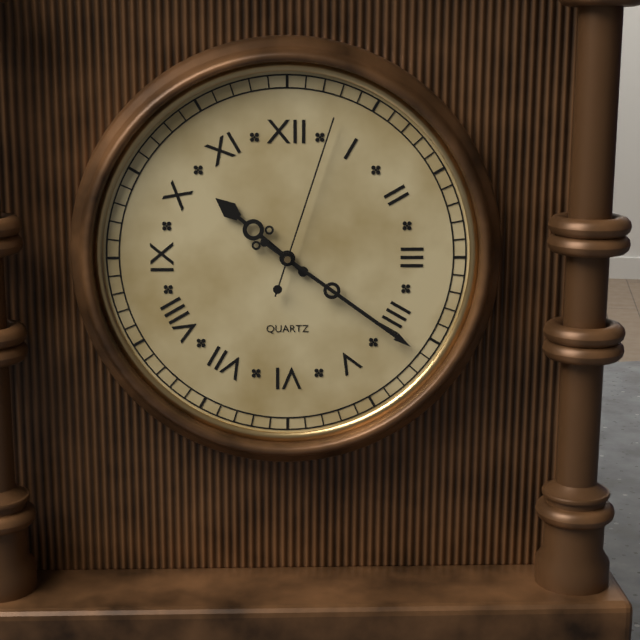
10:21:03
